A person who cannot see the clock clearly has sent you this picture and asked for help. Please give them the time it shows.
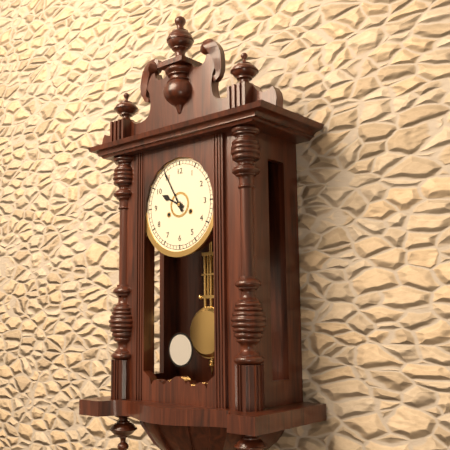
9:55
